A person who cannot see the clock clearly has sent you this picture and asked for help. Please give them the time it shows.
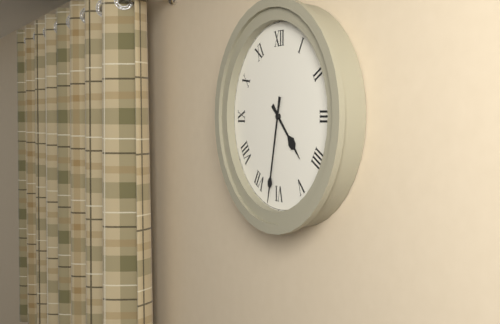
4:32
